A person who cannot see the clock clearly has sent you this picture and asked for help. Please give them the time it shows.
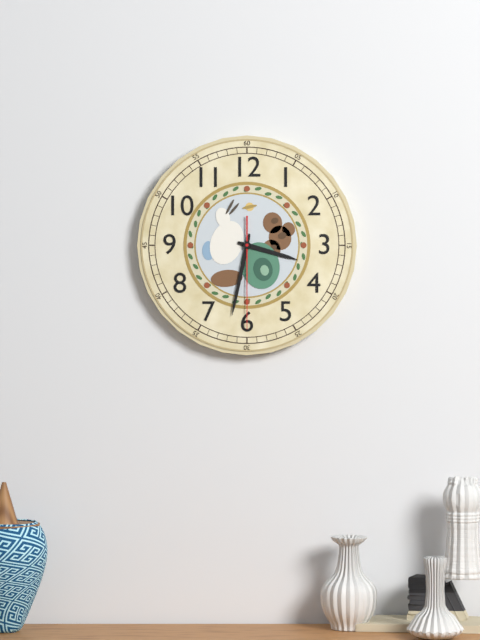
3:32:30
